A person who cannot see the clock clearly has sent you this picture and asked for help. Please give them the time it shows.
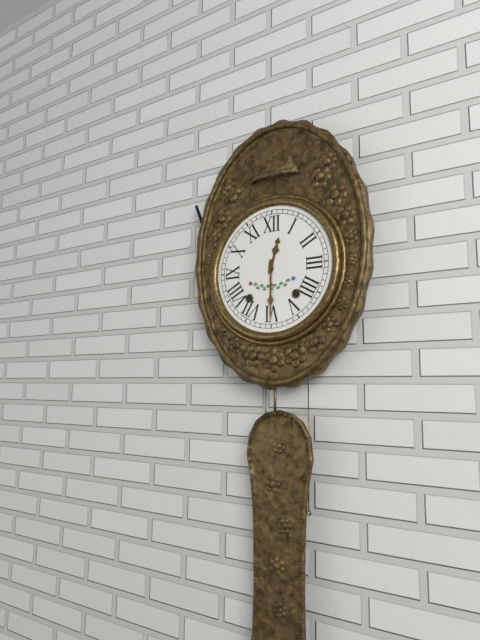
12:30
